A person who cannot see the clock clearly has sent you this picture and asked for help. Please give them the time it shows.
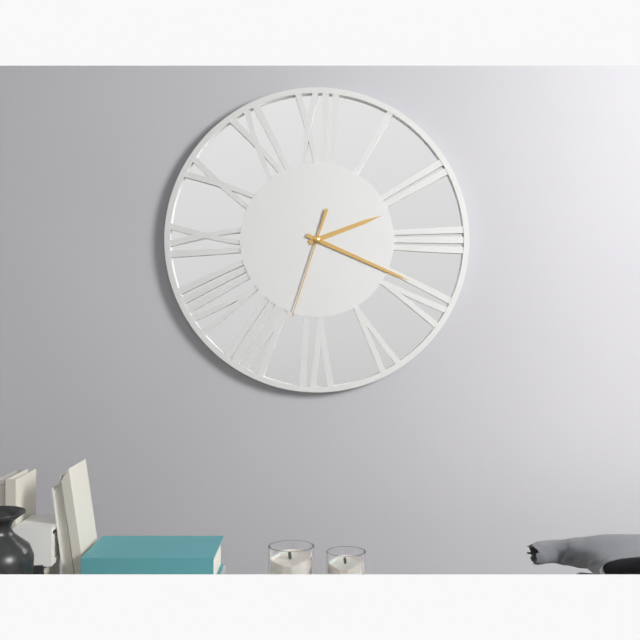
2:19:33
